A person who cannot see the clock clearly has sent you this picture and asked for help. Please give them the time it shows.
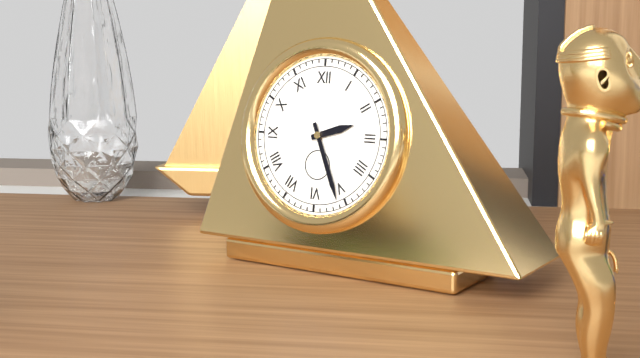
2:26
